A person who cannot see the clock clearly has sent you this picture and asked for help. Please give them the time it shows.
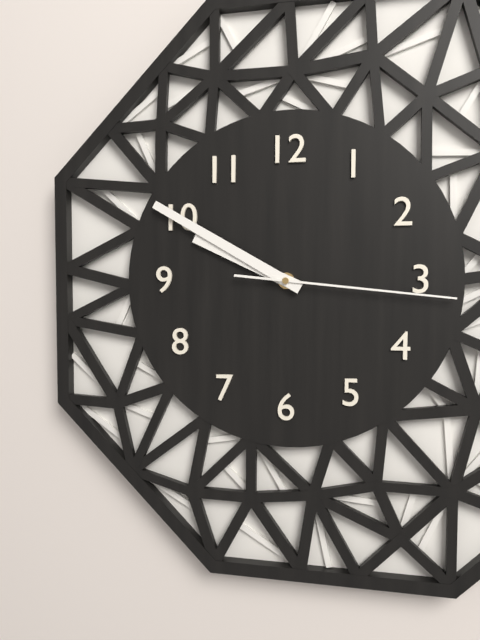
9:50:16
